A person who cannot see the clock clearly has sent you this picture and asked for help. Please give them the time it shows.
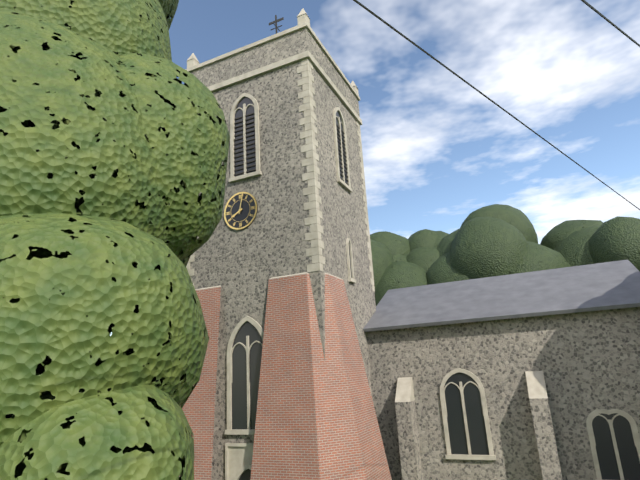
8:02
